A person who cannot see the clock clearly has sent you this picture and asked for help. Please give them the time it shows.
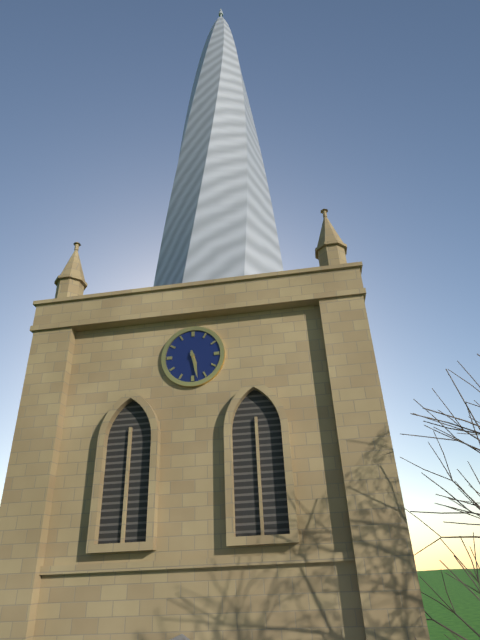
5:28
